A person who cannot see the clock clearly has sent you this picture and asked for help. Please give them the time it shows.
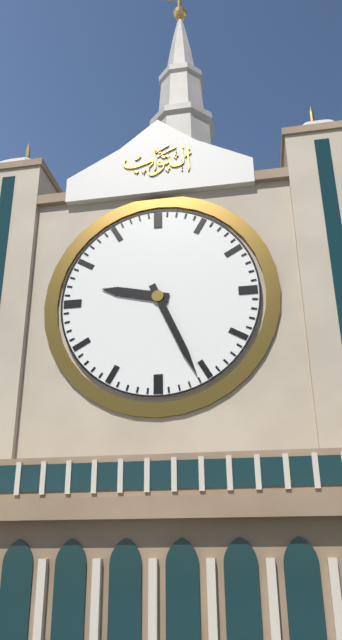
9:26
